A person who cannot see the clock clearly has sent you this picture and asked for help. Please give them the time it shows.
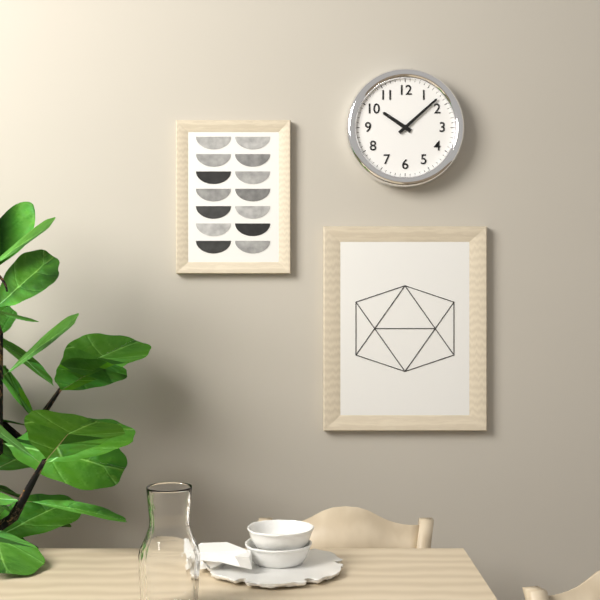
10:08
